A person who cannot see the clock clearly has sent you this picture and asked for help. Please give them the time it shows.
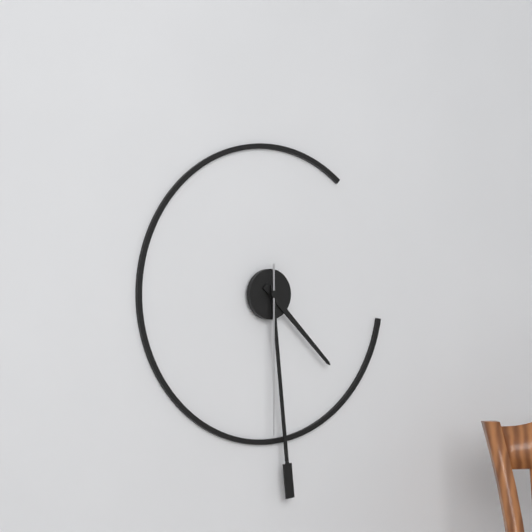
4:29:30
